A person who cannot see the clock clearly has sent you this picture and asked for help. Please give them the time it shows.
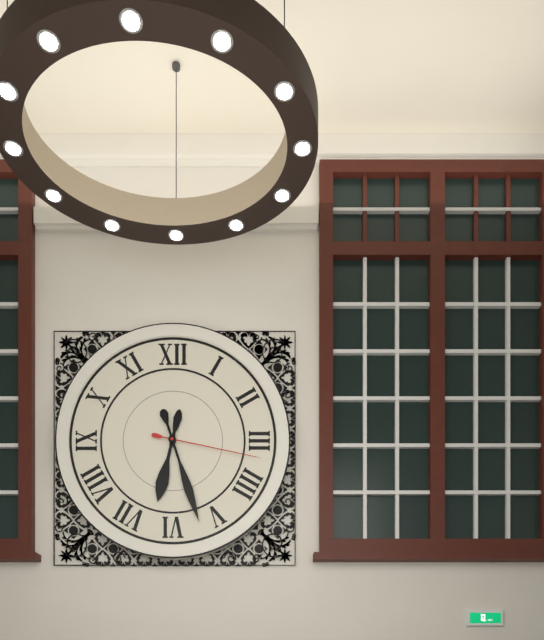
6:27:17
